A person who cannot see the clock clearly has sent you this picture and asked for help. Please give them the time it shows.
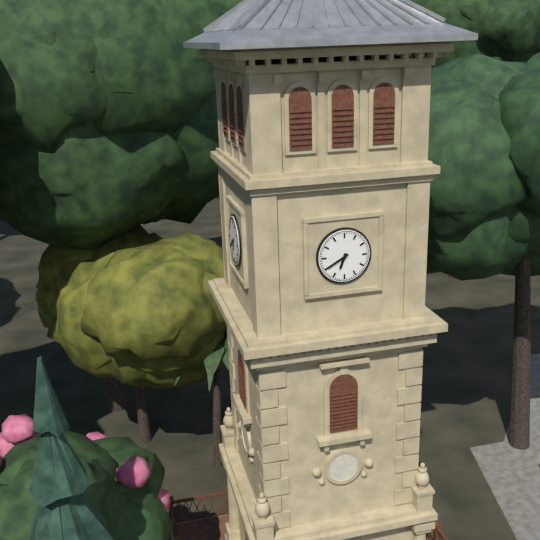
6:40
